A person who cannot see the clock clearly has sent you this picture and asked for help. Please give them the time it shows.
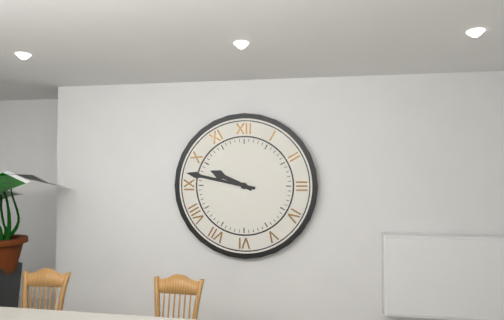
9:47
